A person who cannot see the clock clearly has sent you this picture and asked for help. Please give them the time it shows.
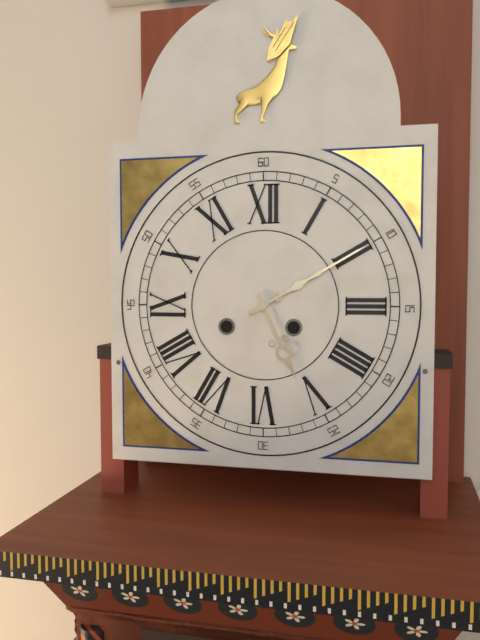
5:10
